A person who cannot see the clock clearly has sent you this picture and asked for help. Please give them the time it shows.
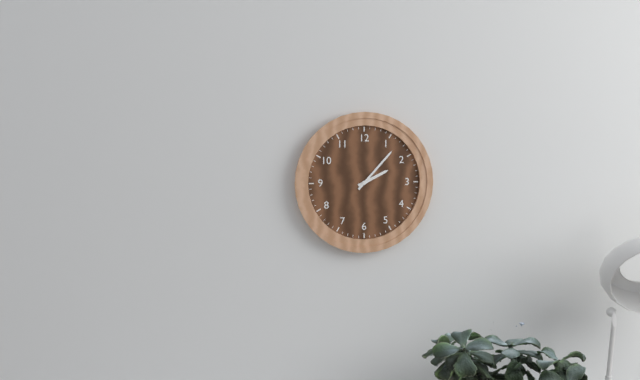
2:07
